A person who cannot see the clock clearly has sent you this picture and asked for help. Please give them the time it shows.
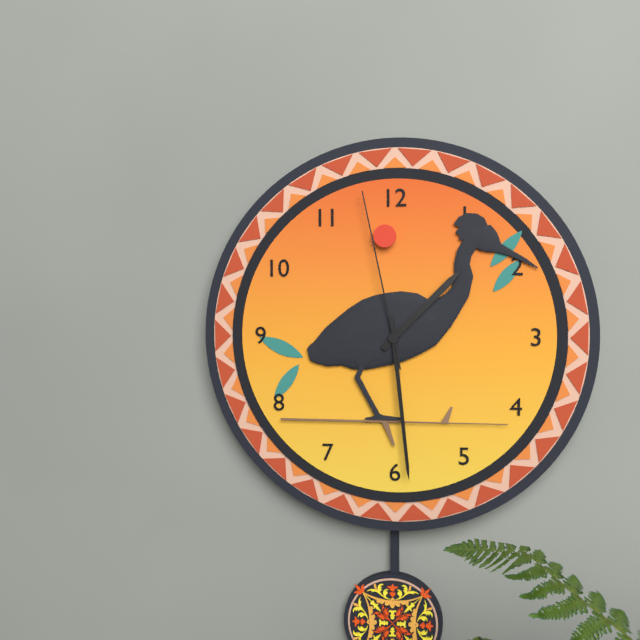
1:29:58
